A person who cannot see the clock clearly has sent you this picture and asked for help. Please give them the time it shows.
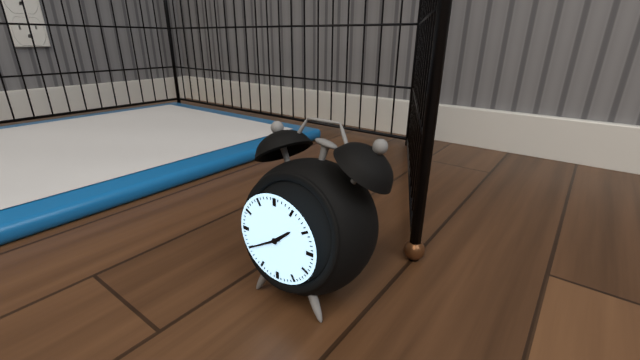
1:40
